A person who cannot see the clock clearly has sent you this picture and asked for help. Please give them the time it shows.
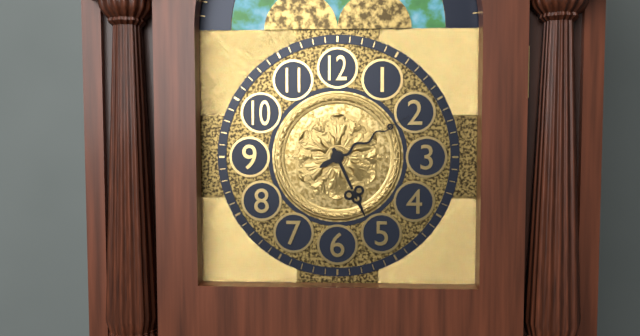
5:10
